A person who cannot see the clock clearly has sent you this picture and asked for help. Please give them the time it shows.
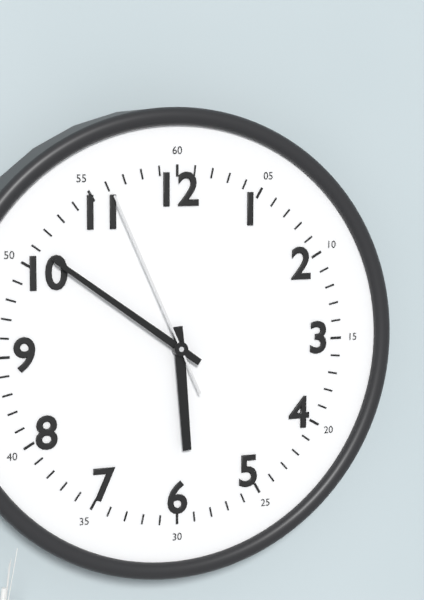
5:51:56
